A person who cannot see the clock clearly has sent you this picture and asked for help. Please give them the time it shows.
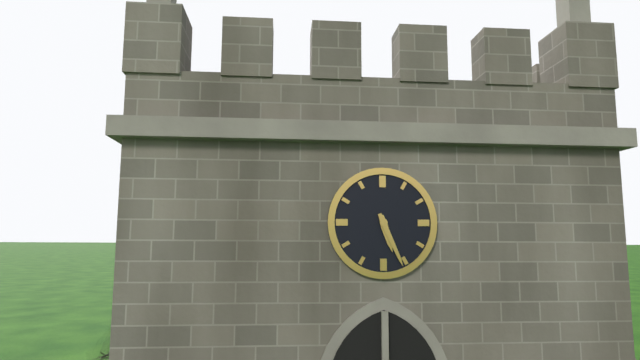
5:26
